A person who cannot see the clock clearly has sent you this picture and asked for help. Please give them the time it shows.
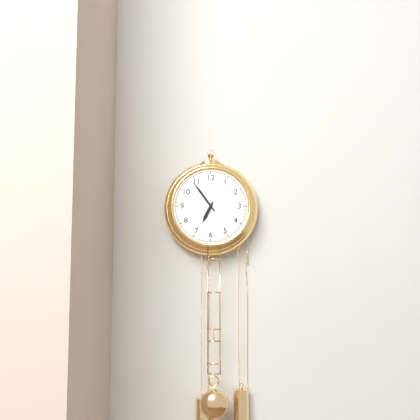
6:54
